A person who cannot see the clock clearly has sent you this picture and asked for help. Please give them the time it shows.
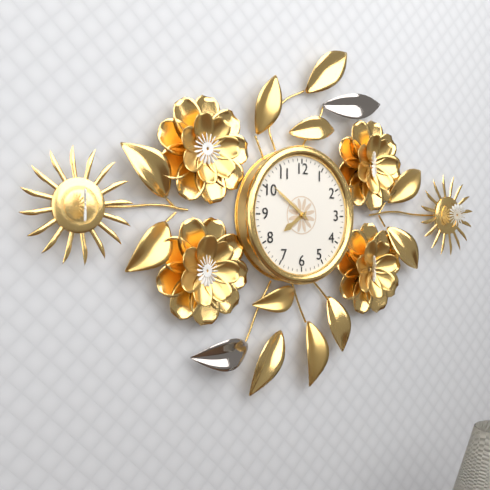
7:51
